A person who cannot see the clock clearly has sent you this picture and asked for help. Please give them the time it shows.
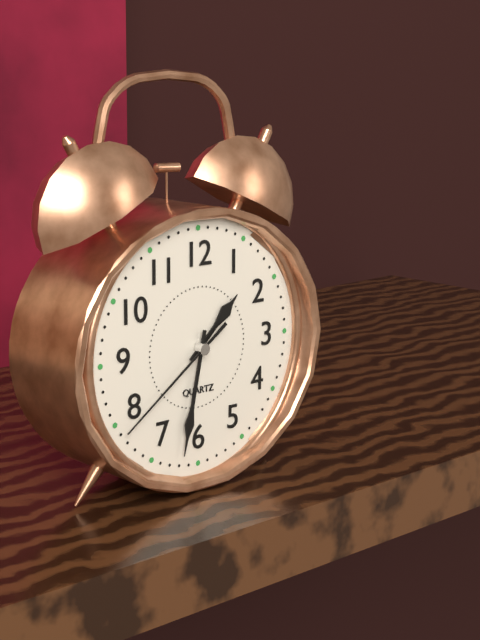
1:32:39
